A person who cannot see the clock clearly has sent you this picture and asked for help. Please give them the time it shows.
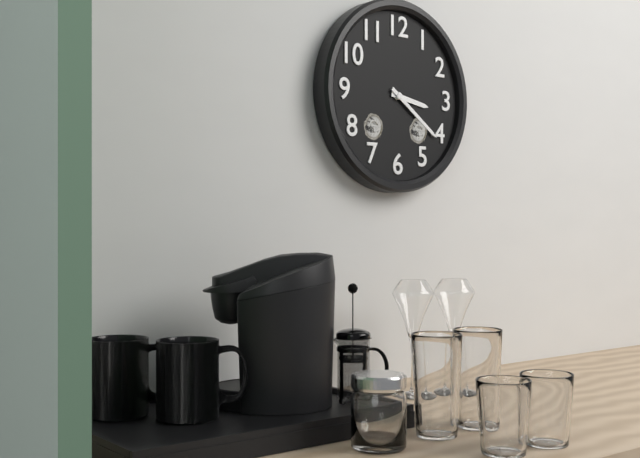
3:21
